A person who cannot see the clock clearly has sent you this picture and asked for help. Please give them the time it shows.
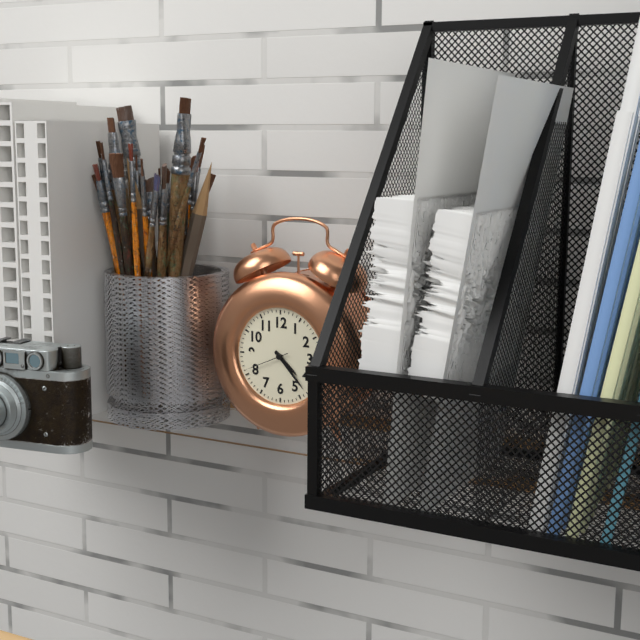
4:23
